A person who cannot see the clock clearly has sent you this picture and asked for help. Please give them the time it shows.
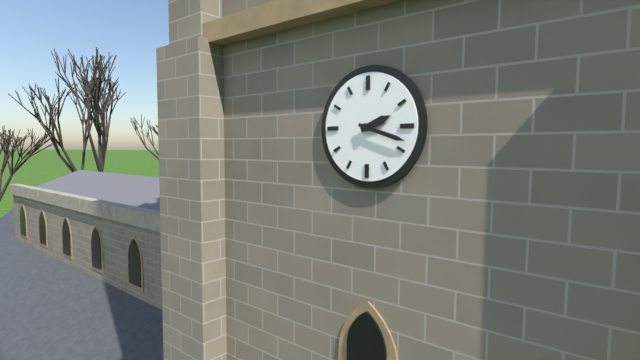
2:18
